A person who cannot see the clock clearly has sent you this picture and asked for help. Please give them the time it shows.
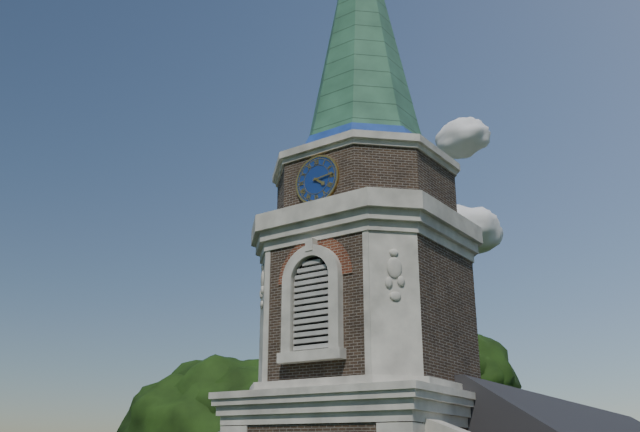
4:14
